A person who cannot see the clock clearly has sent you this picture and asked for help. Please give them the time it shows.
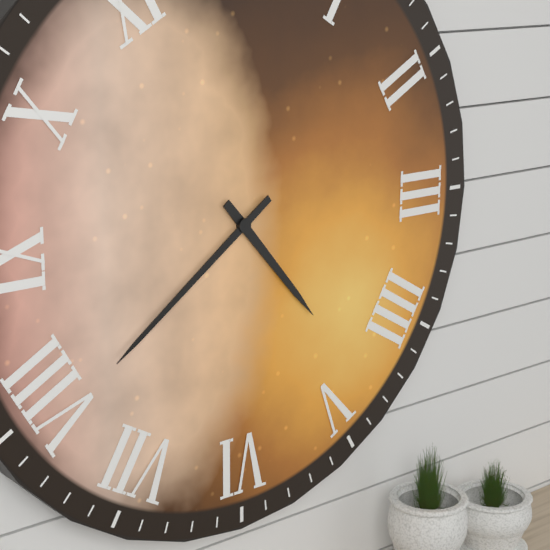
4:39
